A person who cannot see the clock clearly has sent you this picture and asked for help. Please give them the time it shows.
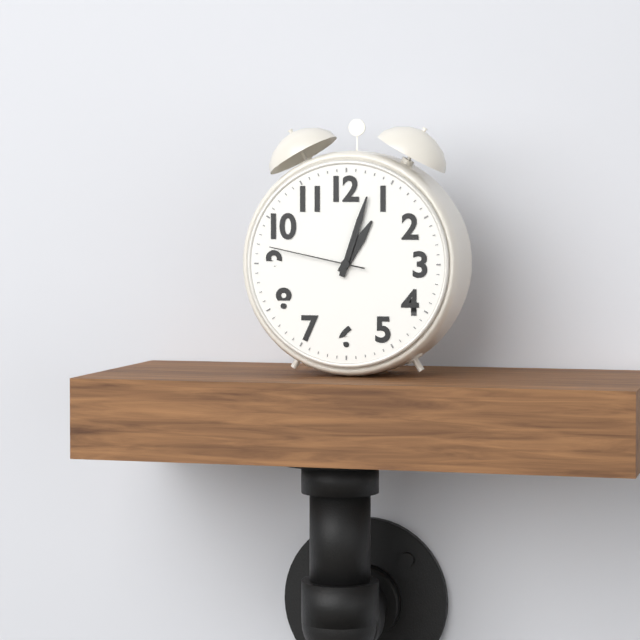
1:03:47
